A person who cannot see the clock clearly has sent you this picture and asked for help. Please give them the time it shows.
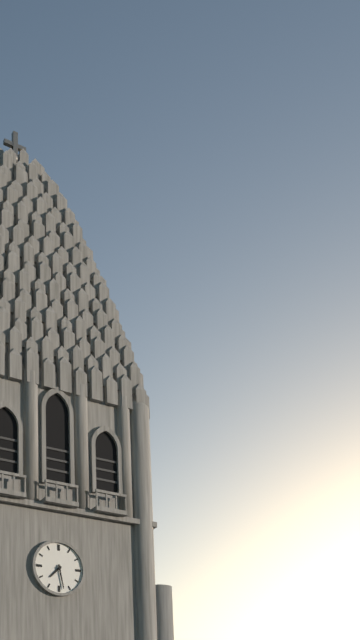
7:28
